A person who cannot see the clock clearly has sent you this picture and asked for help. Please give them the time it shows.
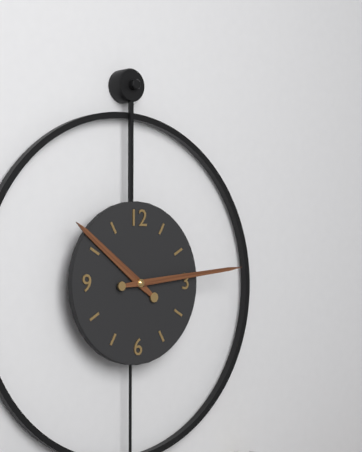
10:14
